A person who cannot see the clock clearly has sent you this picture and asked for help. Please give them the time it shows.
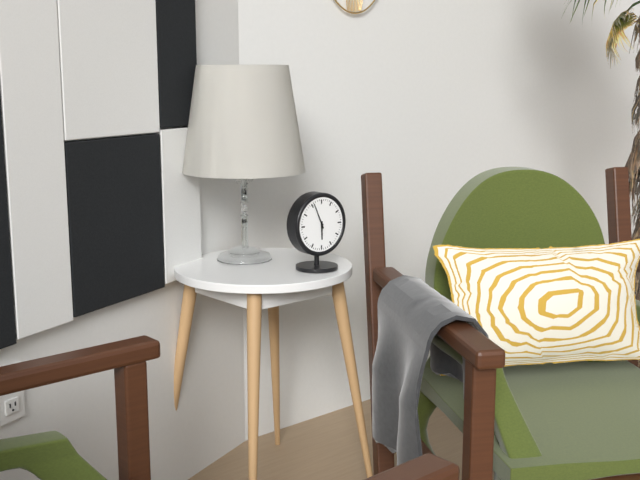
5:56
